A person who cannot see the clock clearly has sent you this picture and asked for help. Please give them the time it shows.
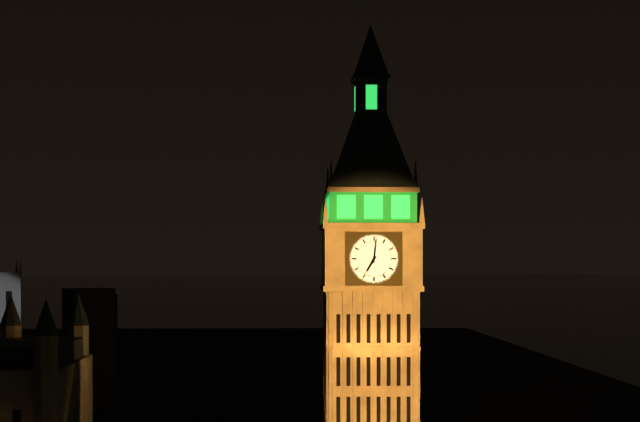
7:01
